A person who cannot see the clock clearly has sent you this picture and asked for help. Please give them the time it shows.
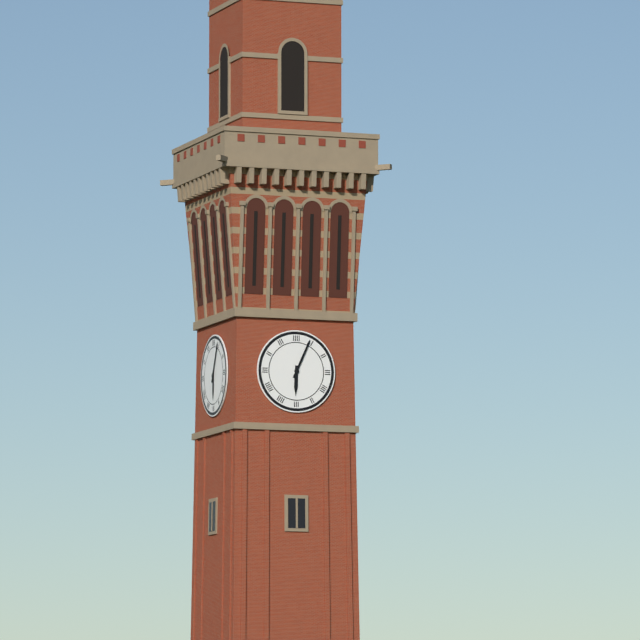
6:04
